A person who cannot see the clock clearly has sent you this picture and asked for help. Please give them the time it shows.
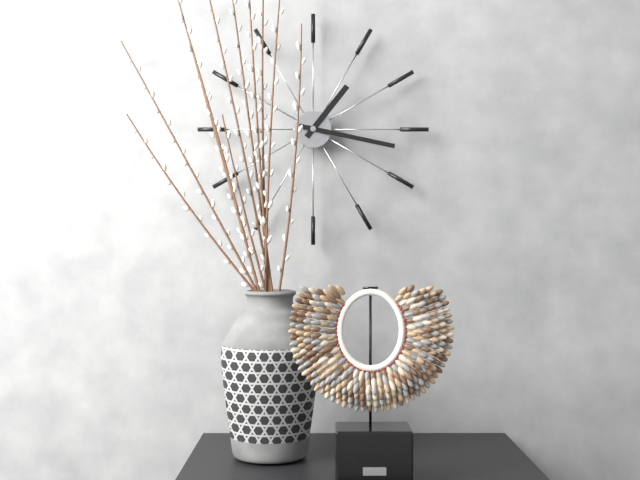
1:17
